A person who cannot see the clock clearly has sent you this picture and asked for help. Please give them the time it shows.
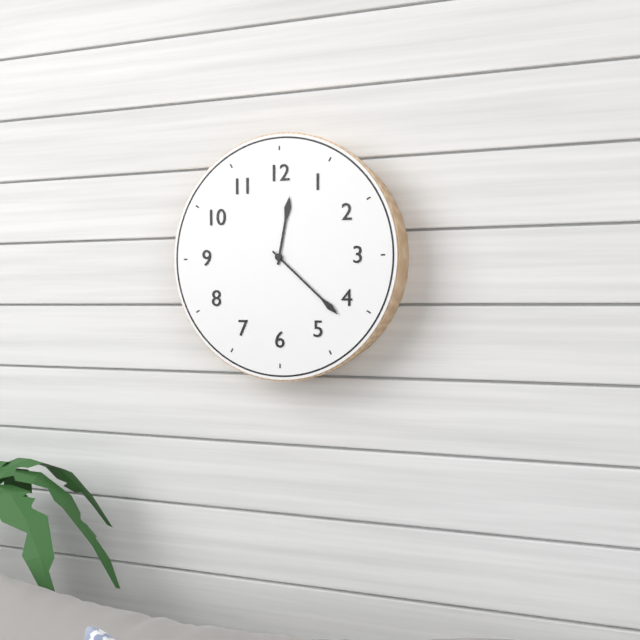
12:22
